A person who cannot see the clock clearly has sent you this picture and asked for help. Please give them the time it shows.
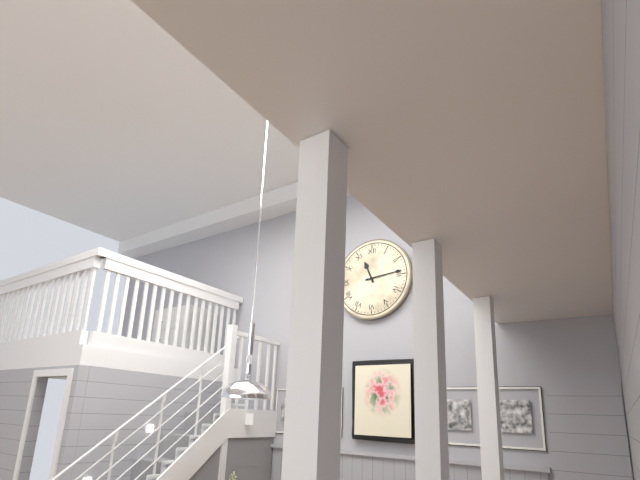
11:14
